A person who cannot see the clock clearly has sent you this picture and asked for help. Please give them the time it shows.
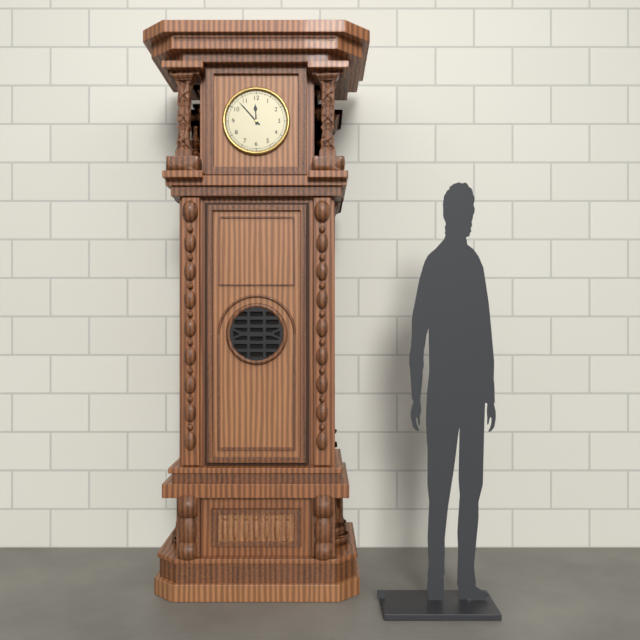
11:53
